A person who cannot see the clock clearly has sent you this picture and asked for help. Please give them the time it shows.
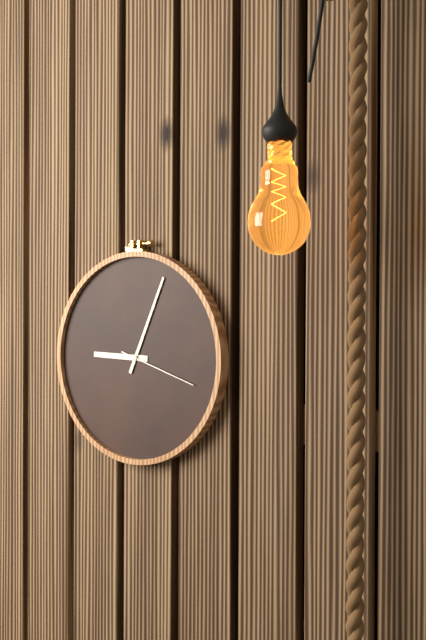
9:04:18
